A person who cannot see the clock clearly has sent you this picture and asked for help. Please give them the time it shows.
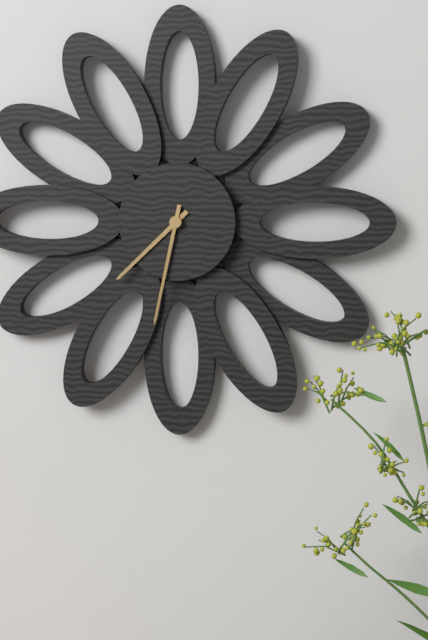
7:32
